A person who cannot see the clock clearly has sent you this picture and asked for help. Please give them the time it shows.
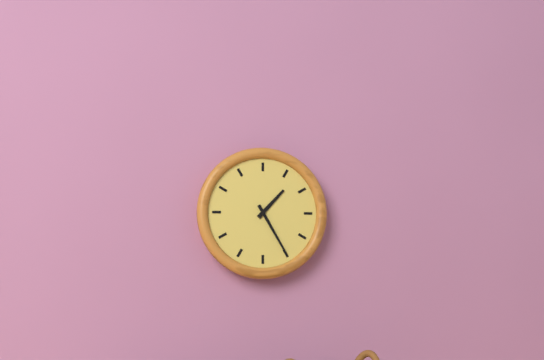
1:25
